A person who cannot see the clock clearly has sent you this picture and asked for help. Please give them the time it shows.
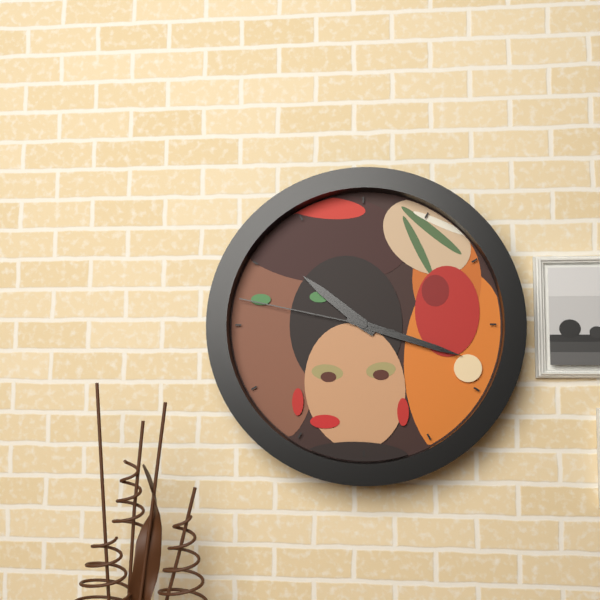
10:18:47
